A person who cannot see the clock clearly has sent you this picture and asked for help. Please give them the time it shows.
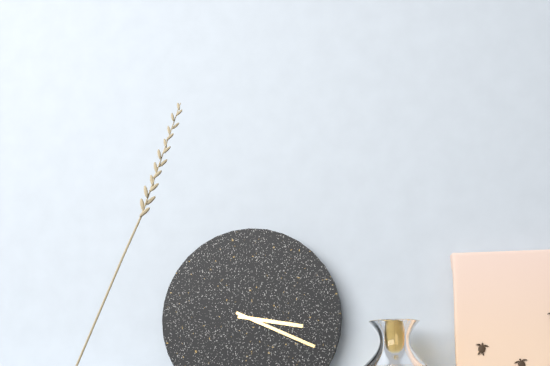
3:19
